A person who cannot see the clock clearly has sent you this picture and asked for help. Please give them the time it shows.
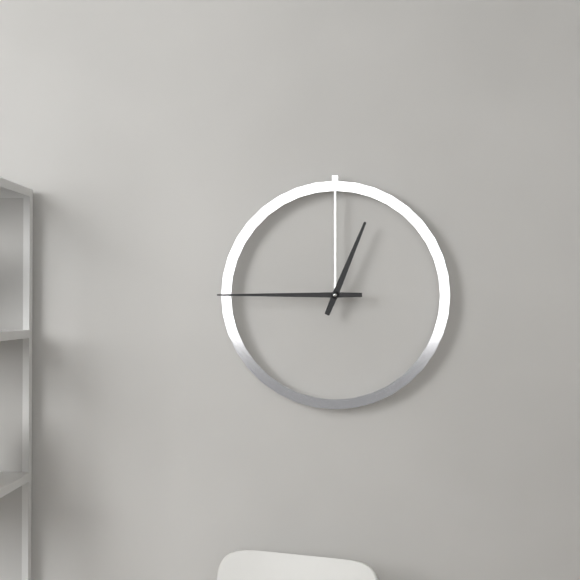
12:45
